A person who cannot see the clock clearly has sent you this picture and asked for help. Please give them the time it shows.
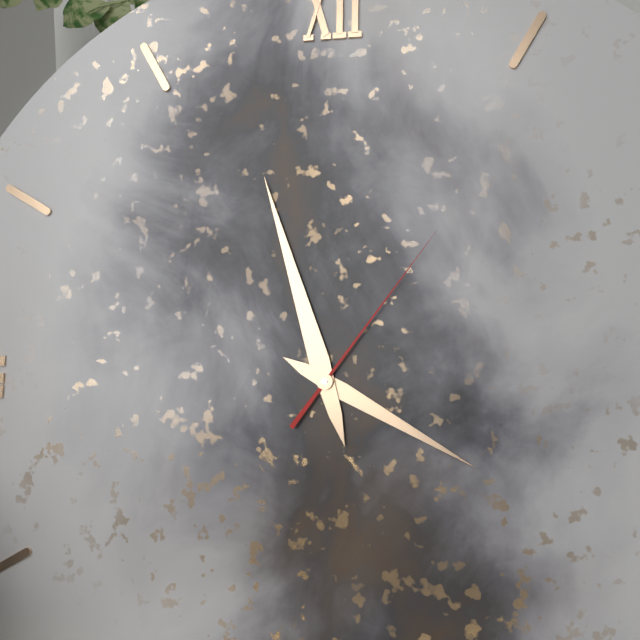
3:57:06
